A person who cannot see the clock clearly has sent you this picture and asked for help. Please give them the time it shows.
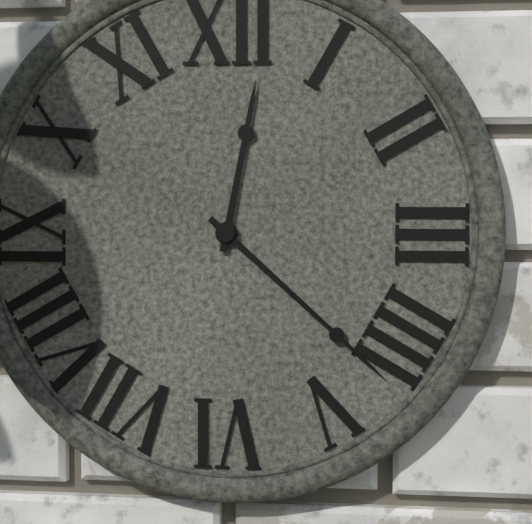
12:22
